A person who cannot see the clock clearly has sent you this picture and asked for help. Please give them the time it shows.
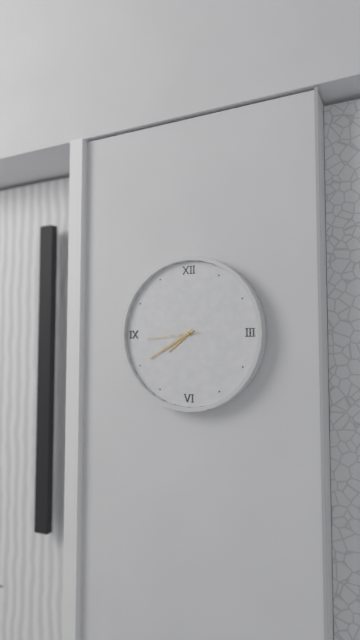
7:40:44
